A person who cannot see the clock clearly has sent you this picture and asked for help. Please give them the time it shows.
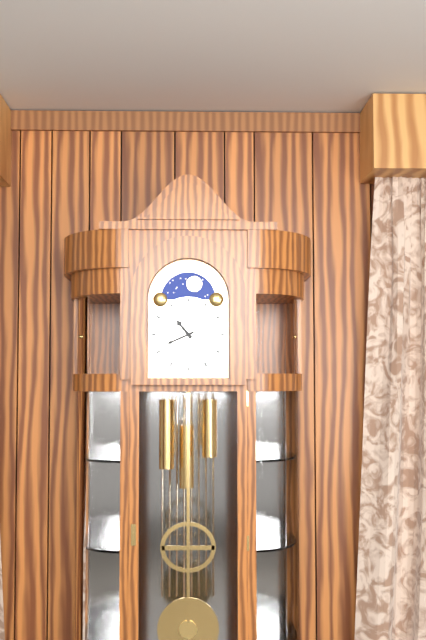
10:41
